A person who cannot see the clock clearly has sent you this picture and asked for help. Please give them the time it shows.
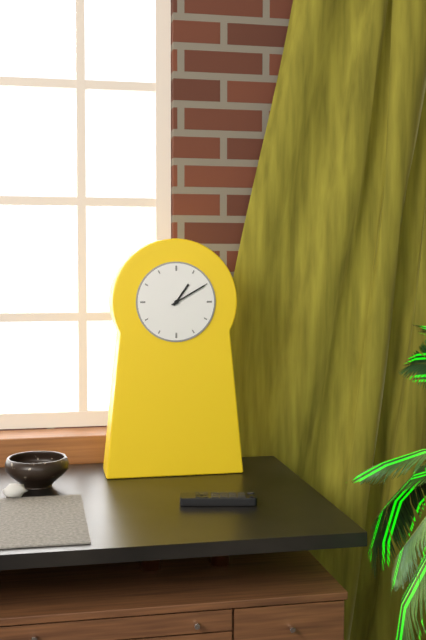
1:10
